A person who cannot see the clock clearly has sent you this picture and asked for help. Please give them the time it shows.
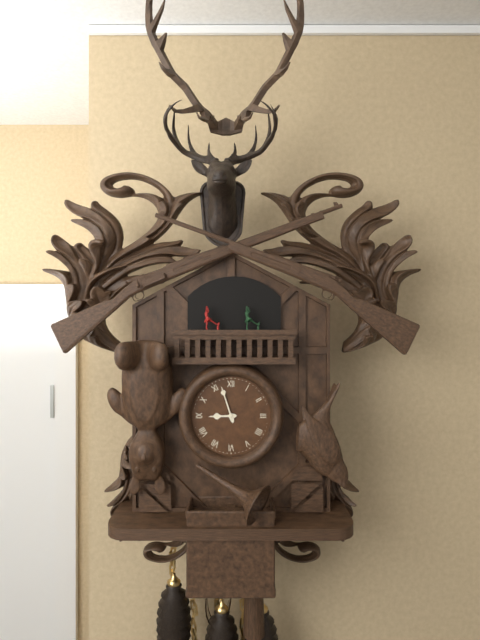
8:57
